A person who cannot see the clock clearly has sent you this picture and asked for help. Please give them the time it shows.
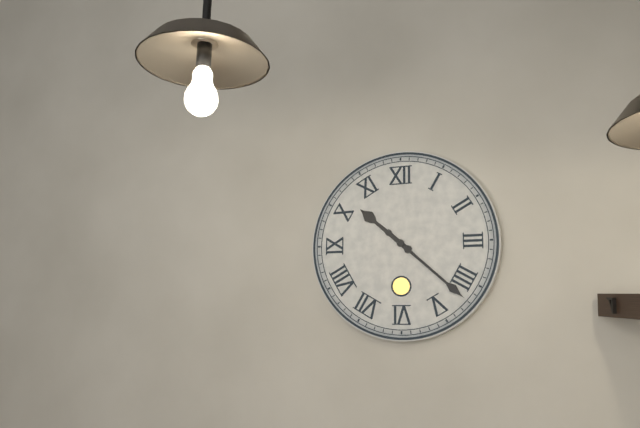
10:22
